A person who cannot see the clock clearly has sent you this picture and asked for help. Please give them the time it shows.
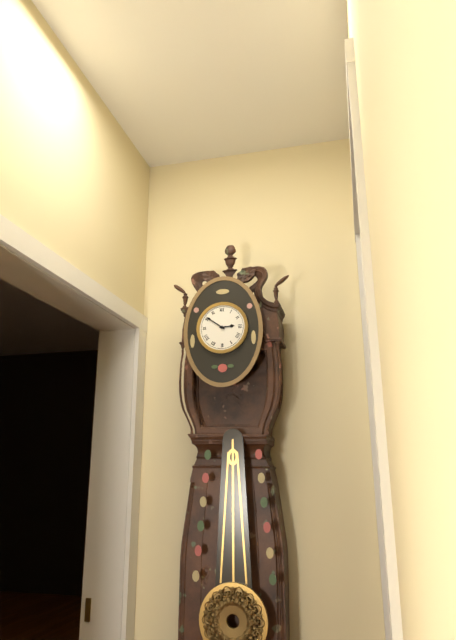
2:51
